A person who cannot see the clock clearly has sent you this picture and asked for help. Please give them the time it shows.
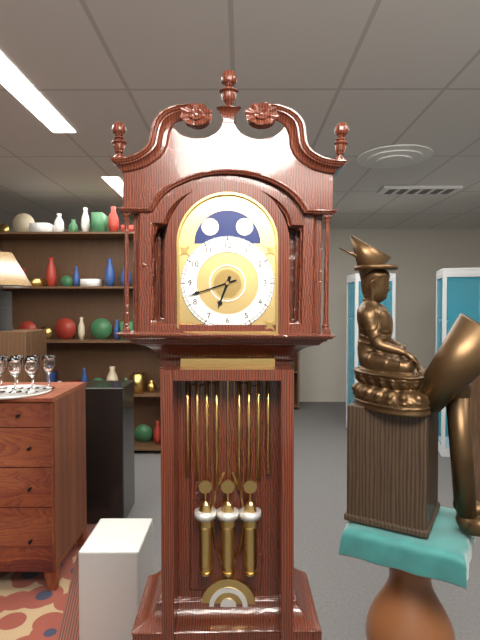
6:42
